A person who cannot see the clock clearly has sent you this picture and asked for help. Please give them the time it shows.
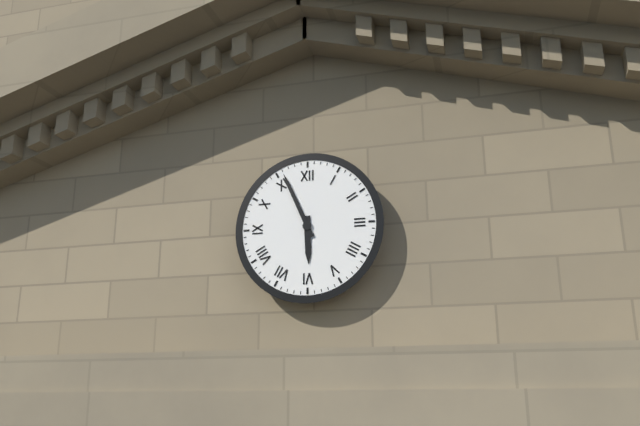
5:56
